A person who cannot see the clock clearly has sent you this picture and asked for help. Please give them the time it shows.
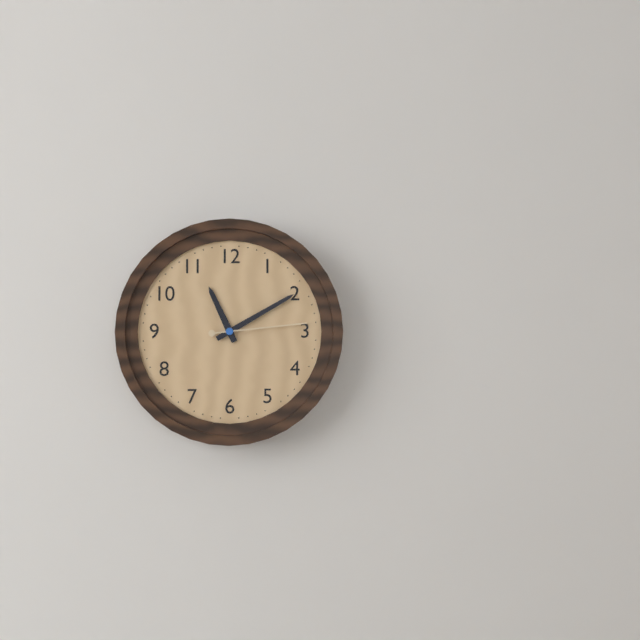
11:10:14
